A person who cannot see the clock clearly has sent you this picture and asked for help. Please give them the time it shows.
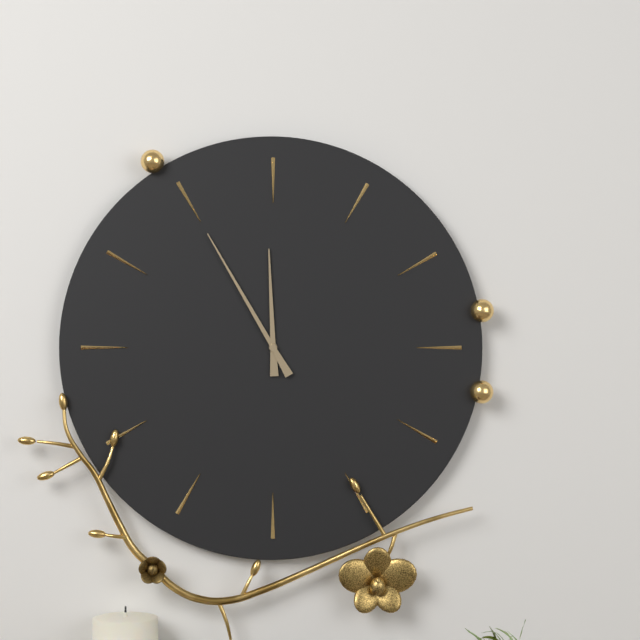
11:55
